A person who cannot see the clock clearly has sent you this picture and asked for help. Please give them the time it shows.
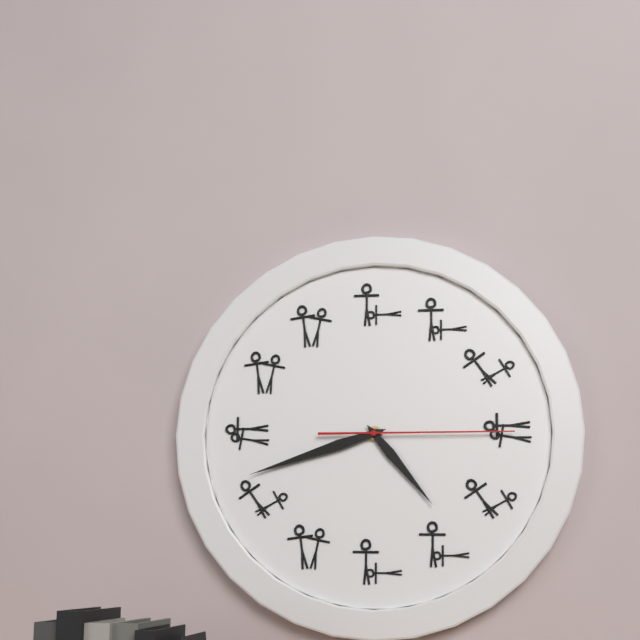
4:42:15
